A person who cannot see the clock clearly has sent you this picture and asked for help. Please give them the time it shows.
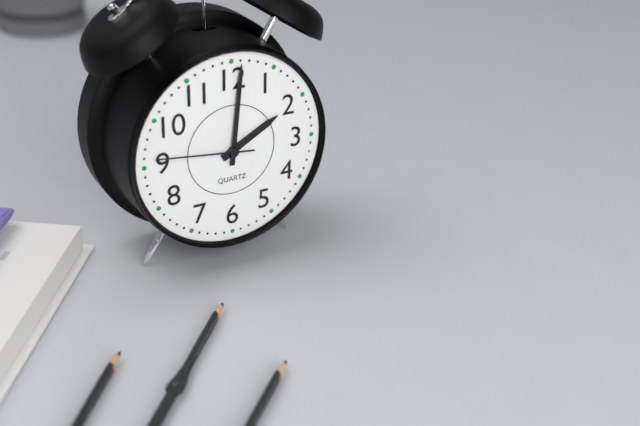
2:01:46
